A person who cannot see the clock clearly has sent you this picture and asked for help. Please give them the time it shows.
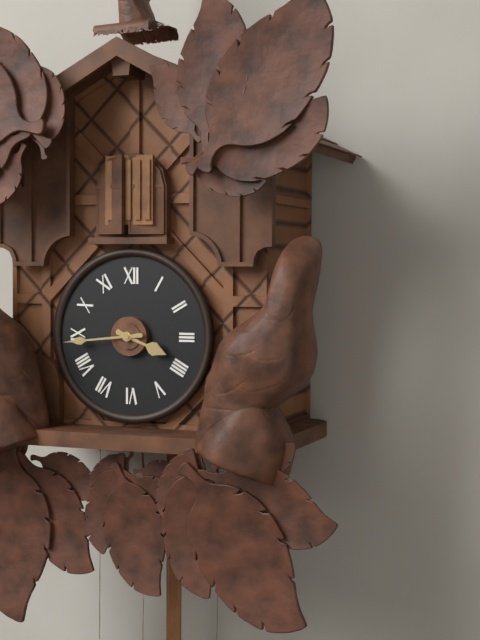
3:44
